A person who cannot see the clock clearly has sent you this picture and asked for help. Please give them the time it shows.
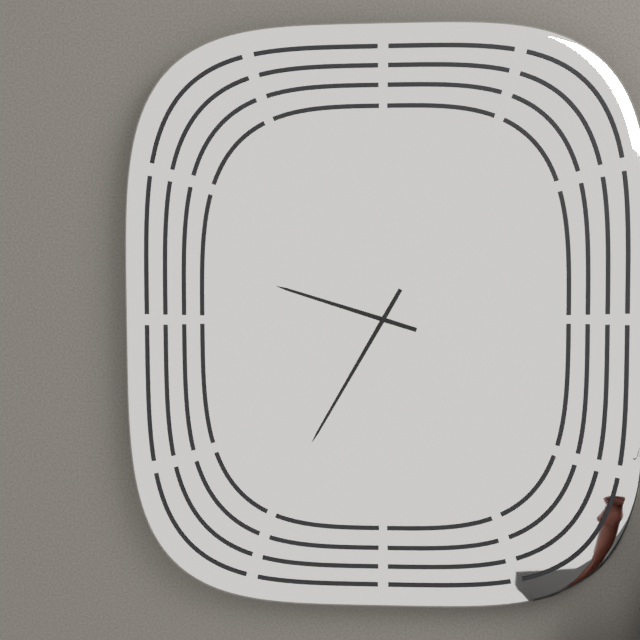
9:35
